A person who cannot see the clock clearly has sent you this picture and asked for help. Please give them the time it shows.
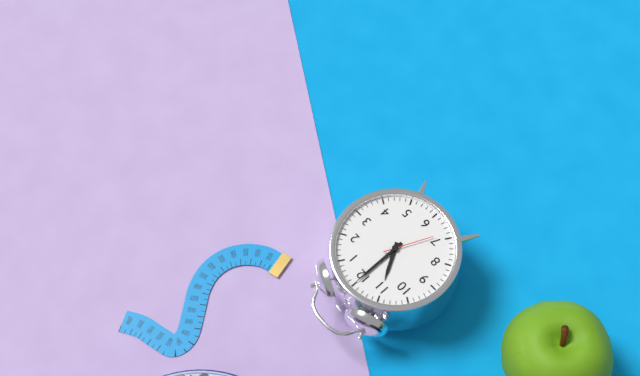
11:00:34
